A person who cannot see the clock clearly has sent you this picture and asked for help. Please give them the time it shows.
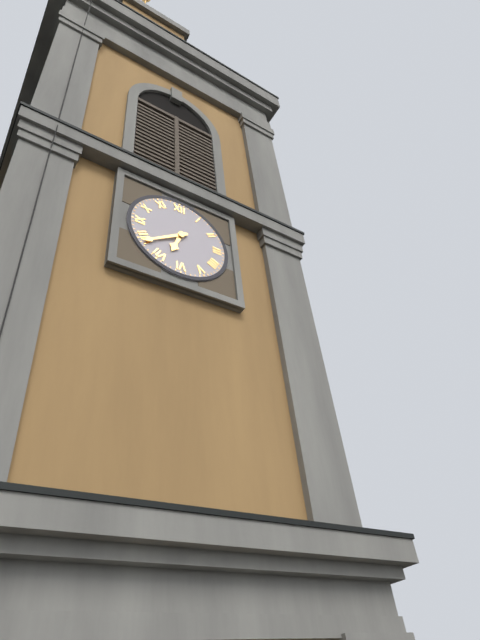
6:39
